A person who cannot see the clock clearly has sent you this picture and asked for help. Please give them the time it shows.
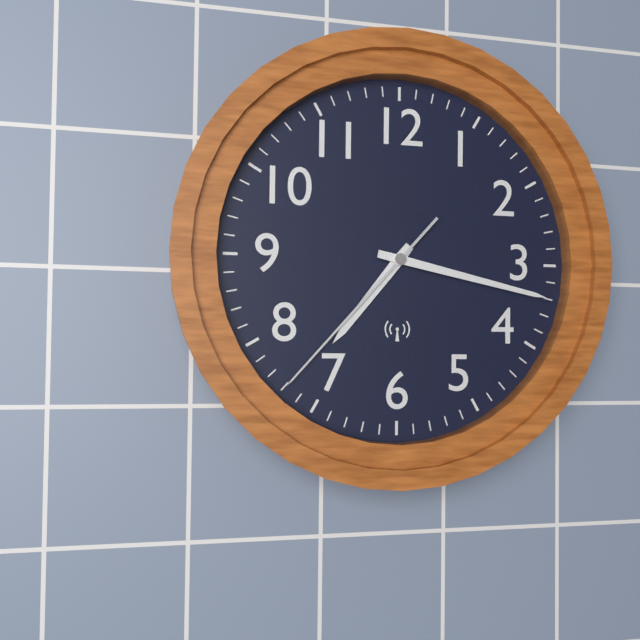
7:17:37
